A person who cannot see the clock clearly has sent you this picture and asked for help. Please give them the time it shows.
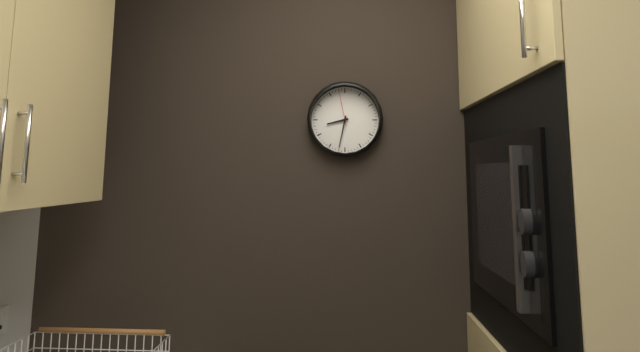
8:32
